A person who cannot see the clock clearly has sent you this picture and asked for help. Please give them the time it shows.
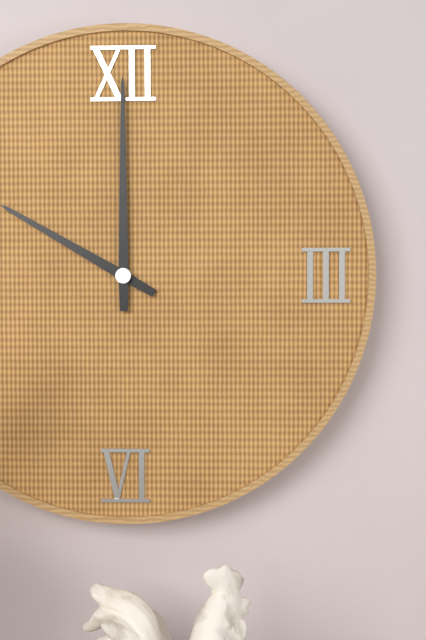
10:00
